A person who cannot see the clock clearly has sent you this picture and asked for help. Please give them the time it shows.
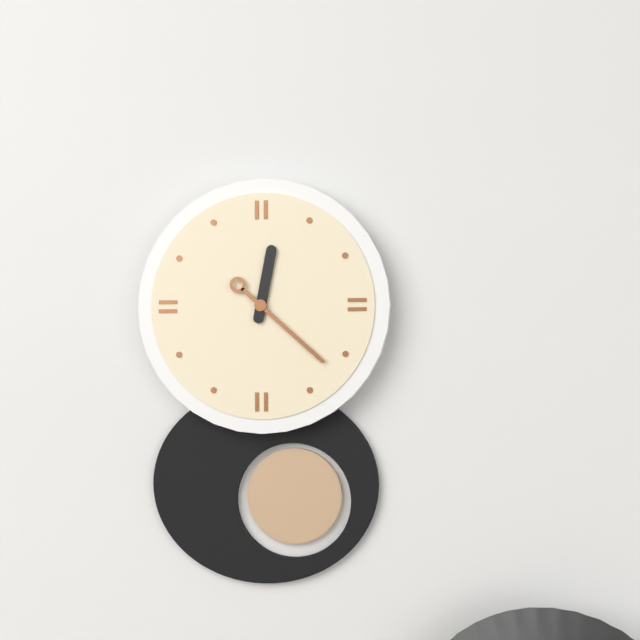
12:22
